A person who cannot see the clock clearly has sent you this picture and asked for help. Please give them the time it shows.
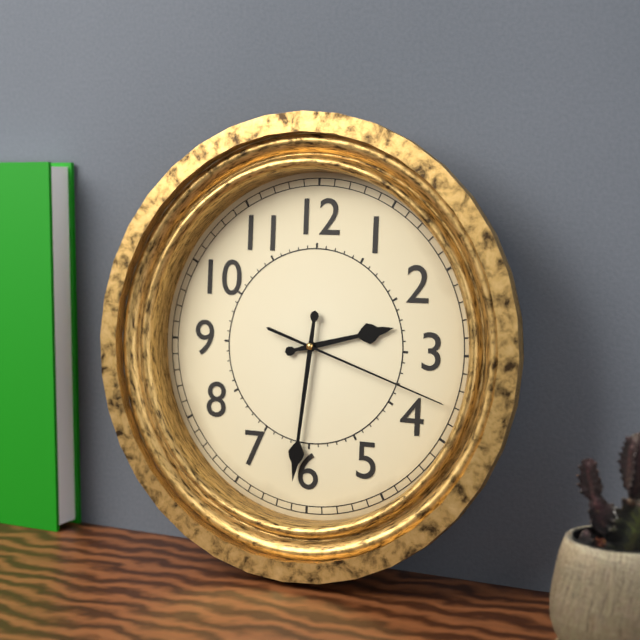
2:31:18
